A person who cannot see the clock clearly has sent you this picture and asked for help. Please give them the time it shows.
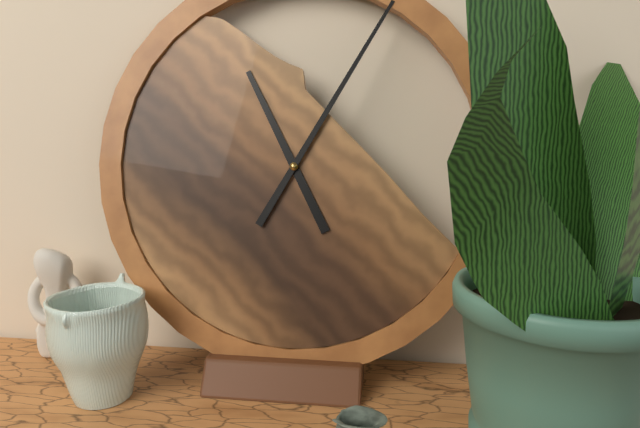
11:05
